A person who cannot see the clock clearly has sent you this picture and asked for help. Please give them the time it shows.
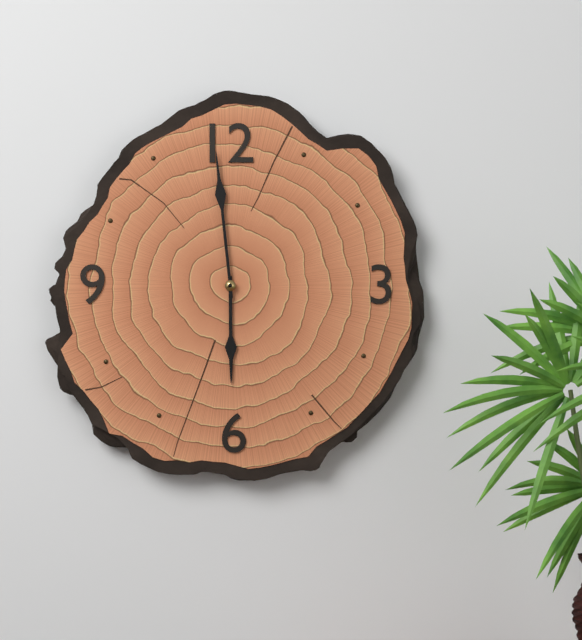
5:59
